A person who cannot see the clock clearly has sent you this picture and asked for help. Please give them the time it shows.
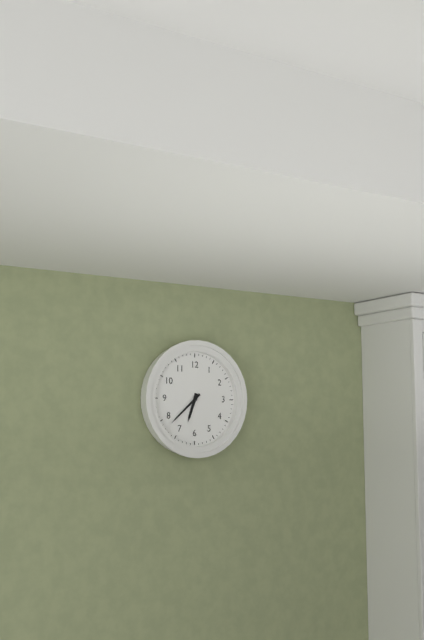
6:38
